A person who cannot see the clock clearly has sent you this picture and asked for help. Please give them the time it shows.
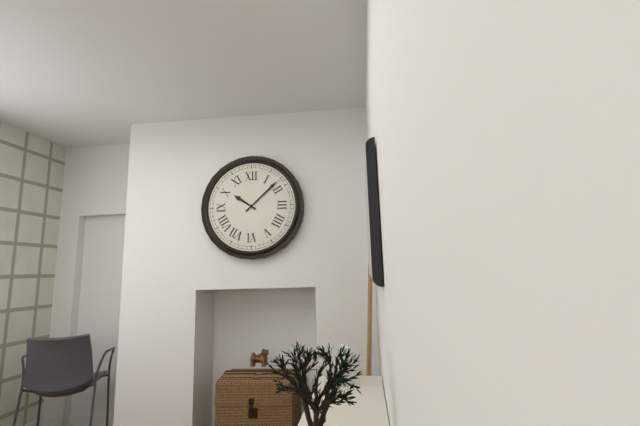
10:08
